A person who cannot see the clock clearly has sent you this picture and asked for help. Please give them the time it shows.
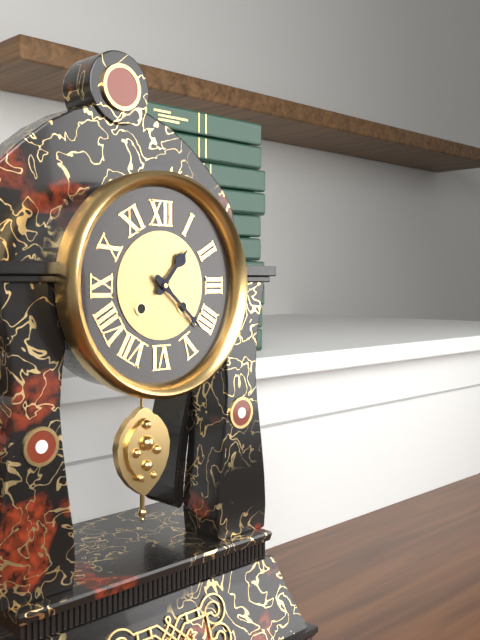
1:22
